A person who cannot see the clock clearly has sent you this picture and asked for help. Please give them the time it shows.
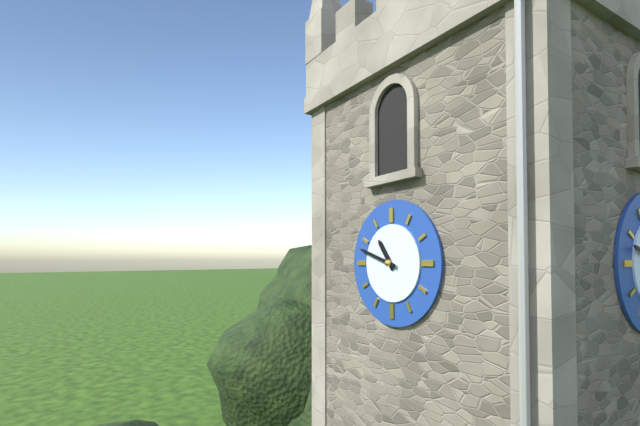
10:48
